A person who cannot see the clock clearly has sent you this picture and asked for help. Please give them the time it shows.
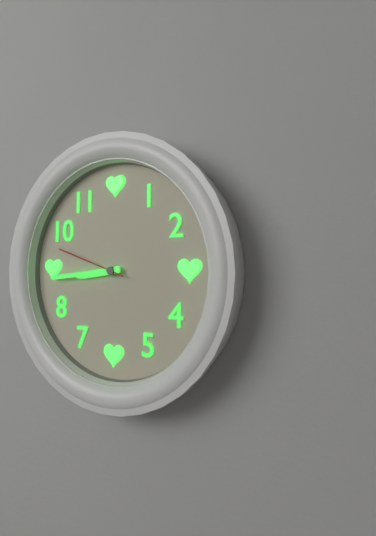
8:44:48
